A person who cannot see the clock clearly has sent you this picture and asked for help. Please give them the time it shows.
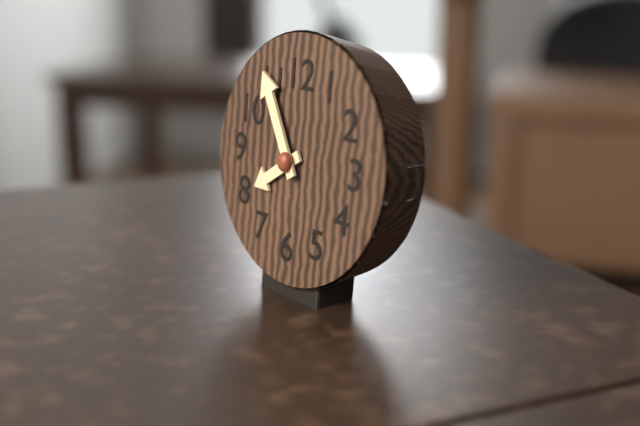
7:55
